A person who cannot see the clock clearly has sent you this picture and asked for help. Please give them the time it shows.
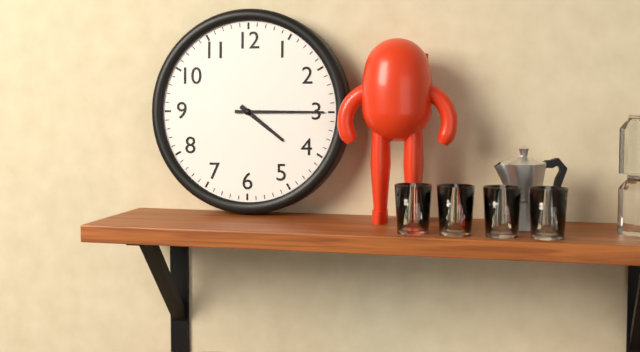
4:15
